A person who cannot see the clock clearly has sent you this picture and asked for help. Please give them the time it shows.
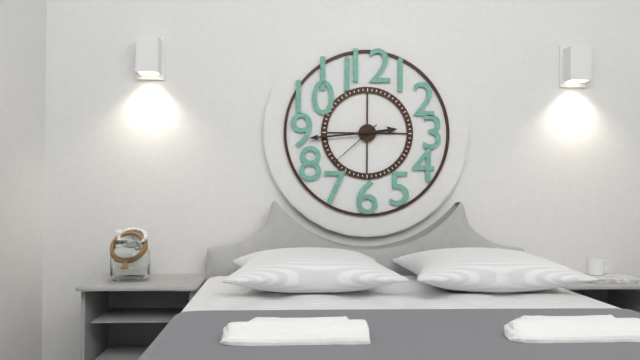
2:44:38
